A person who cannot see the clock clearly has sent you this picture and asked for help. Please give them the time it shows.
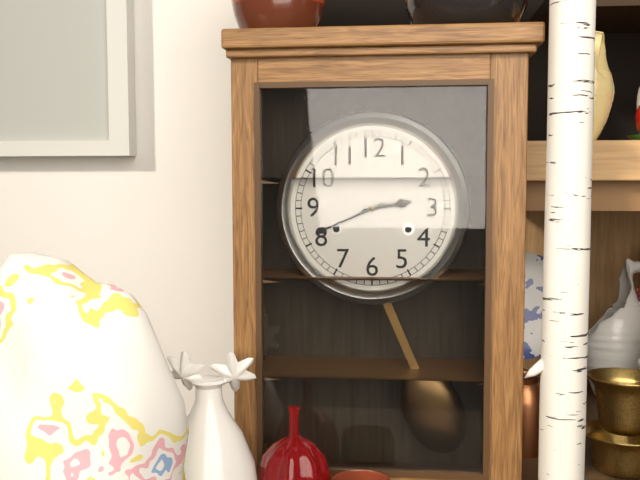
2:41
